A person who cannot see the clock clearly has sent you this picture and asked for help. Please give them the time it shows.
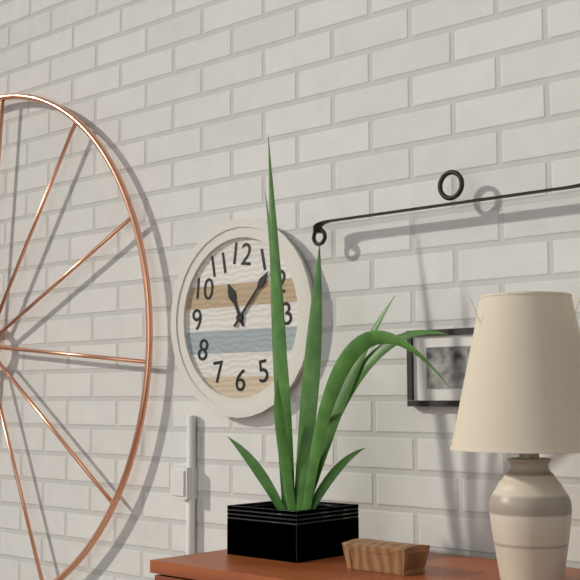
11:07
